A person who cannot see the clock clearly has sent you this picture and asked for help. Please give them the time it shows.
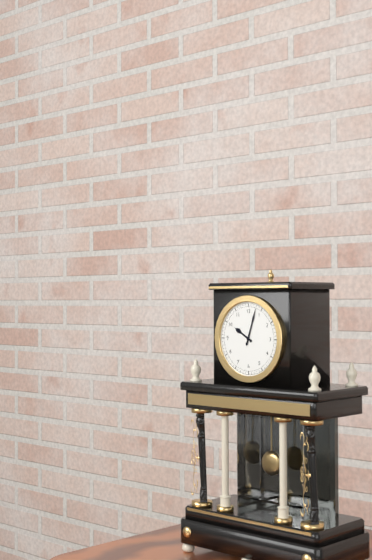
10:03
